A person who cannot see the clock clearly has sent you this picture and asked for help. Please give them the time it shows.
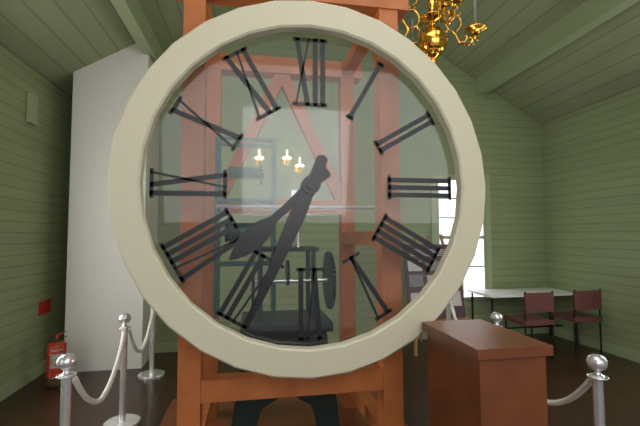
7:34
